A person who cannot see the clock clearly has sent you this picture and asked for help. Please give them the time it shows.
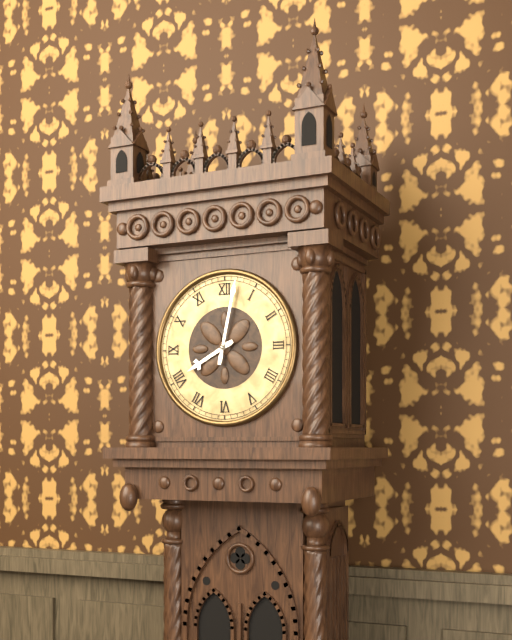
8:02
